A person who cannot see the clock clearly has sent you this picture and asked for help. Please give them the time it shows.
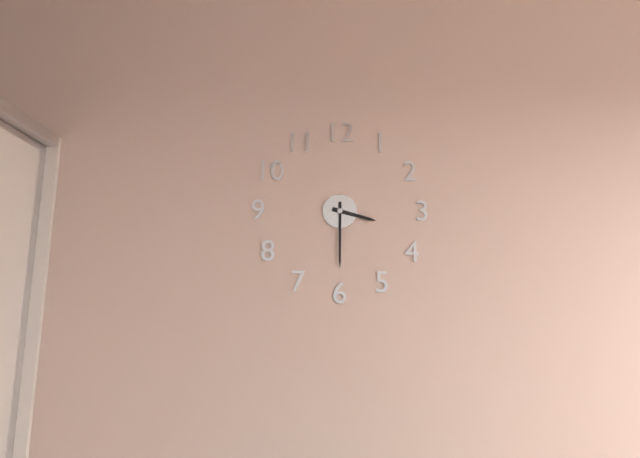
3:30
